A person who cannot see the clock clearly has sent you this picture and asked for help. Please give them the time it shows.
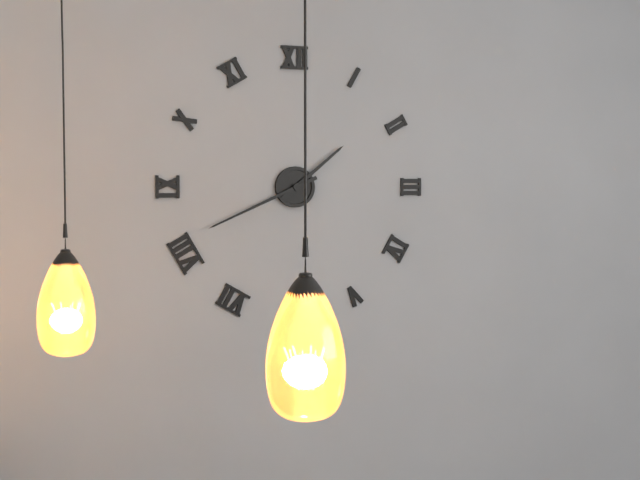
1:41
